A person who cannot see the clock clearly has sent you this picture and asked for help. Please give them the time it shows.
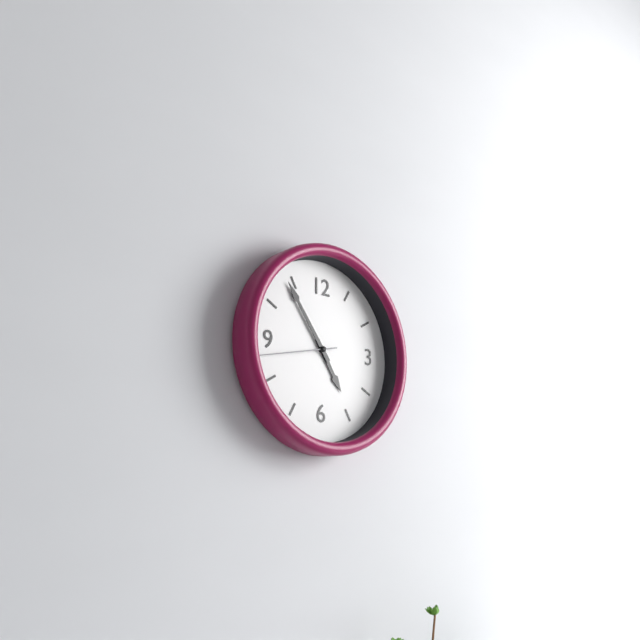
4:54:43
